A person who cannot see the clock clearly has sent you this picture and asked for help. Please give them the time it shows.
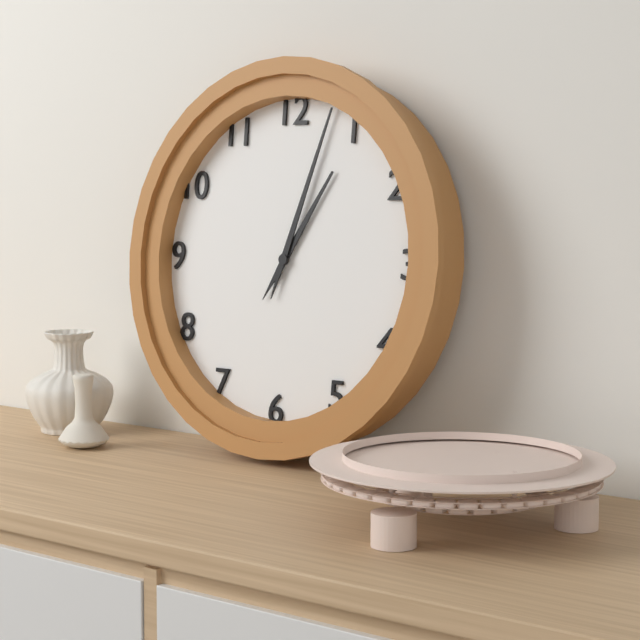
1:03
